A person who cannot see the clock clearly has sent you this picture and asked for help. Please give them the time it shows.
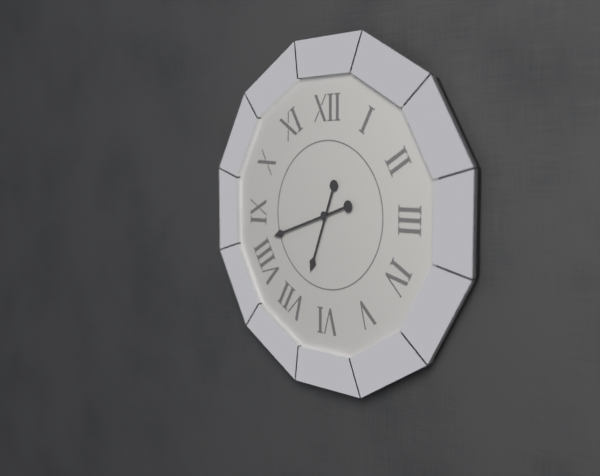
6:42
